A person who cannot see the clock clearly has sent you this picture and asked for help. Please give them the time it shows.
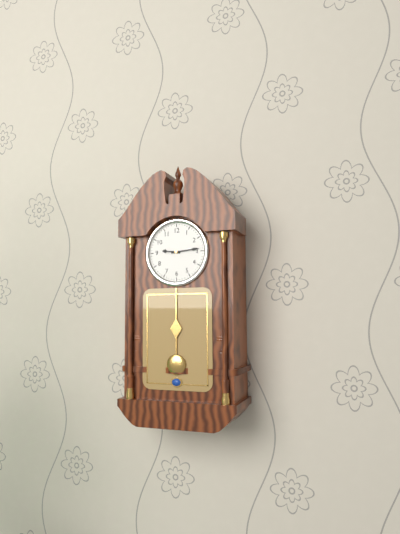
9:14
